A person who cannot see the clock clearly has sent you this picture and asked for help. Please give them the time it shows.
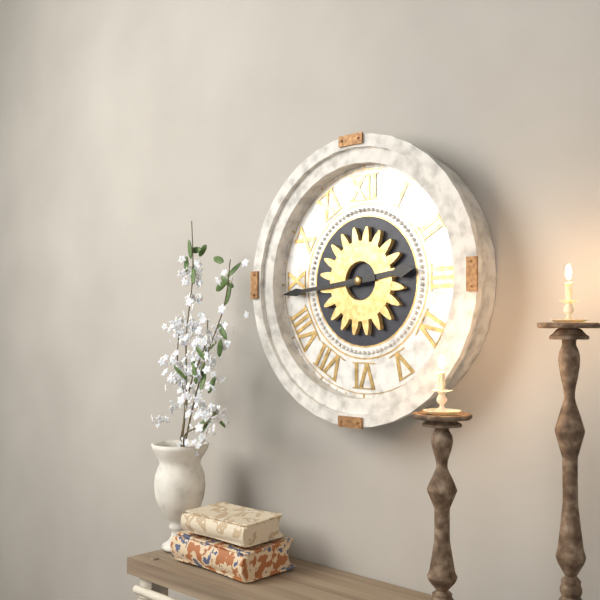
2:44
